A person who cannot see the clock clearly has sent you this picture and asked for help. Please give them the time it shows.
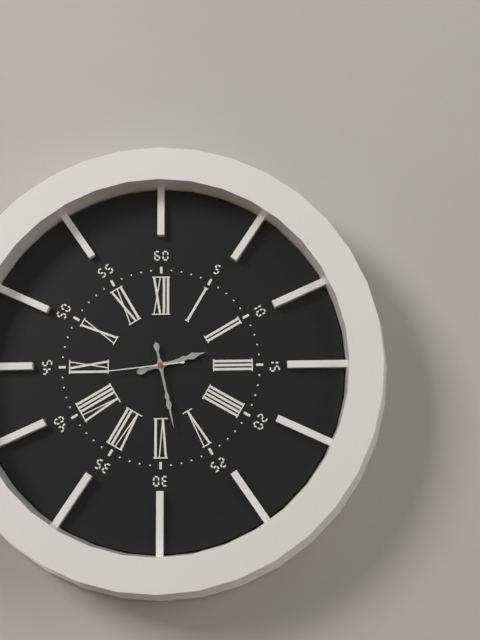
2:28:44
